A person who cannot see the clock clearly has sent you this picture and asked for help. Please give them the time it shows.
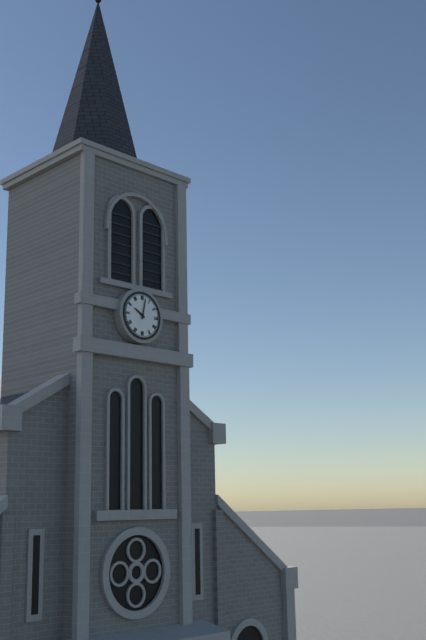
10:02
